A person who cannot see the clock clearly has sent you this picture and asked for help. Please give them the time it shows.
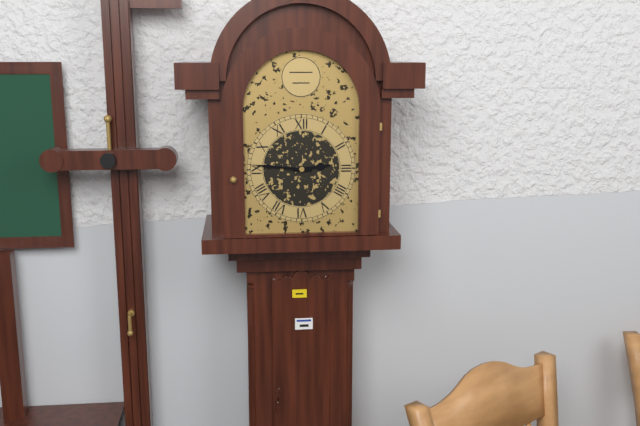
2:46
